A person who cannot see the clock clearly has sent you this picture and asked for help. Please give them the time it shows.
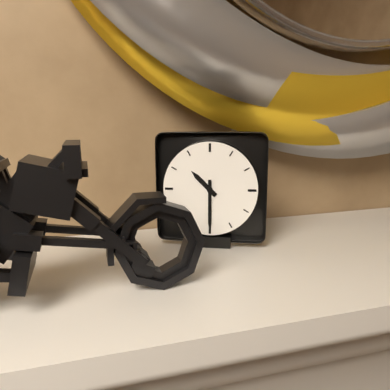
10:30
